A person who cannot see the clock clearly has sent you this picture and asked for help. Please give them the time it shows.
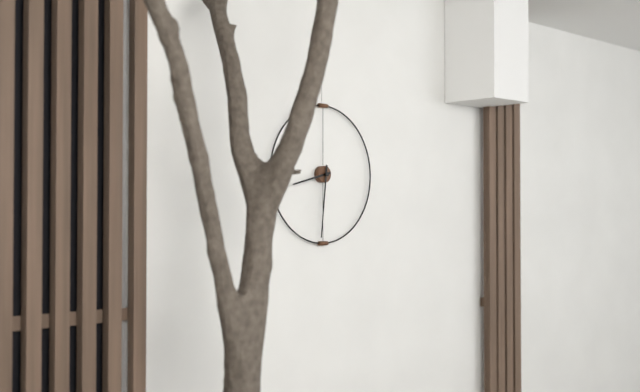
8:31
